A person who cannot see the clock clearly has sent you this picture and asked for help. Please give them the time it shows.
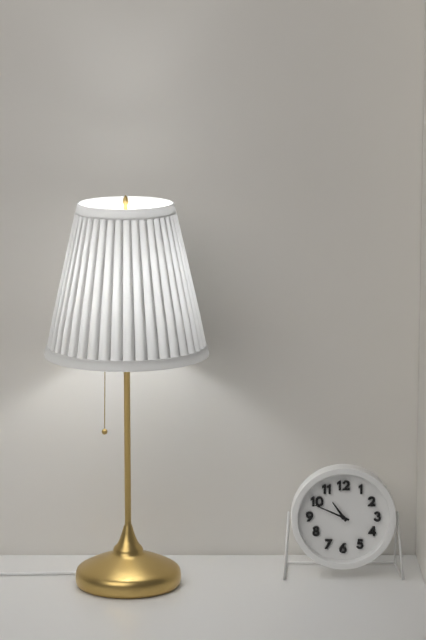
10:49
